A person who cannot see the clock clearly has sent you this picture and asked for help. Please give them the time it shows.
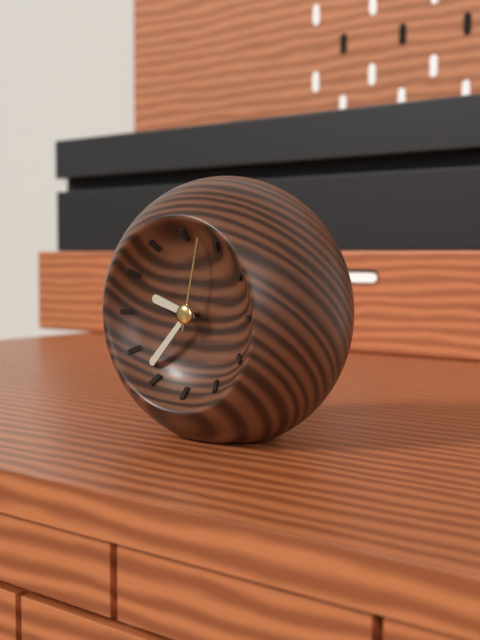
9:37:02
